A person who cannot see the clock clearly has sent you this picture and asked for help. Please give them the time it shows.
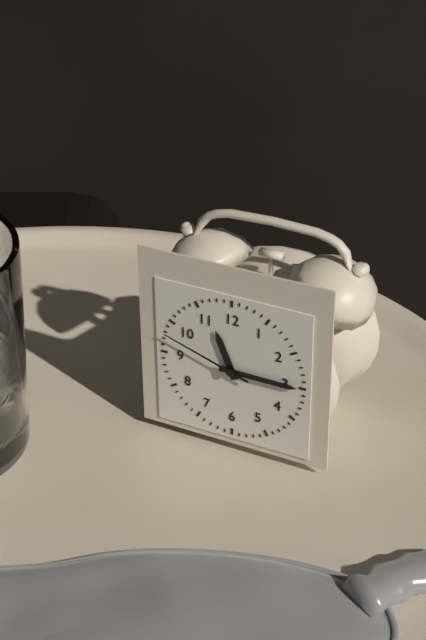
11:15:48
